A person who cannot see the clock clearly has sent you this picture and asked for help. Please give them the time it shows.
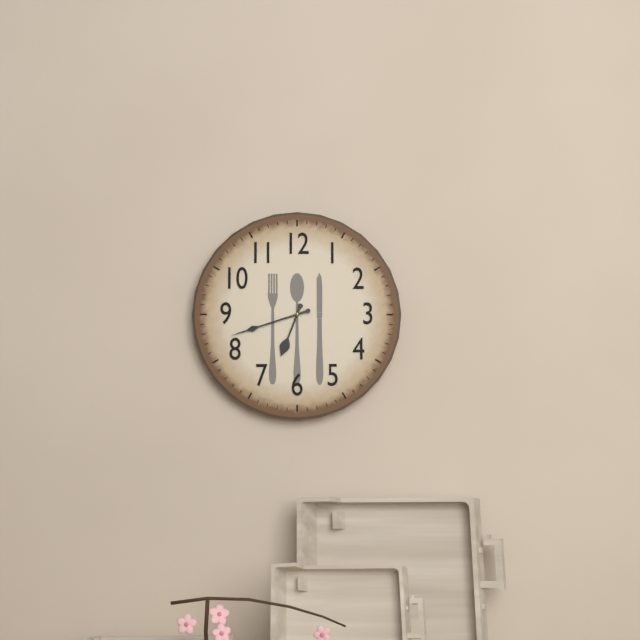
6:42
